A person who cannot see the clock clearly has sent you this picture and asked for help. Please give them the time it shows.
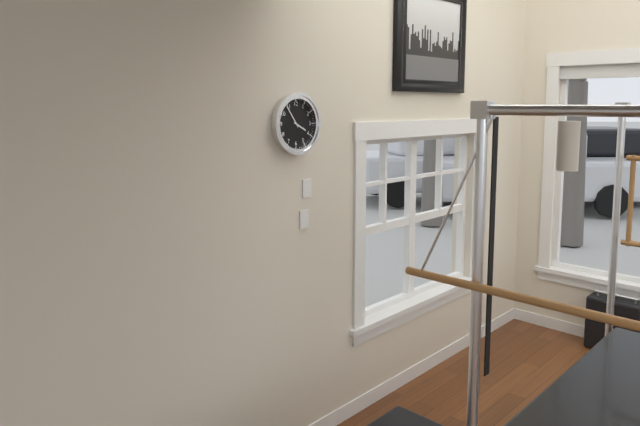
3:54
